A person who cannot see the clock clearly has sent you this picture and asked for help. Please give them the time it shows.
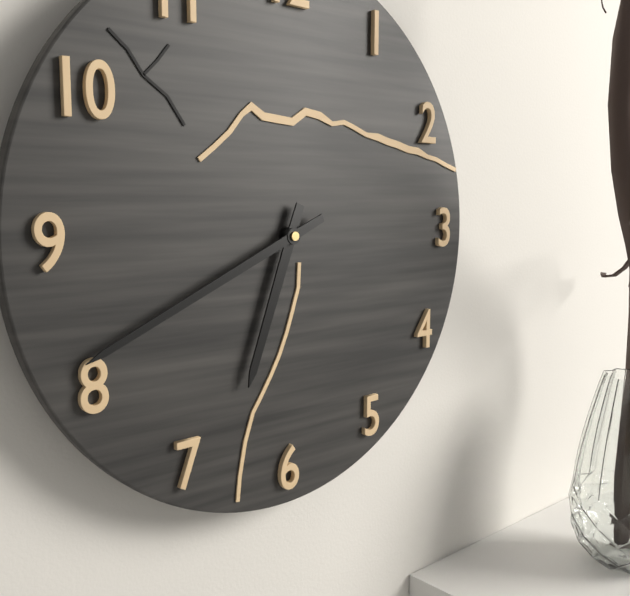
6:41
